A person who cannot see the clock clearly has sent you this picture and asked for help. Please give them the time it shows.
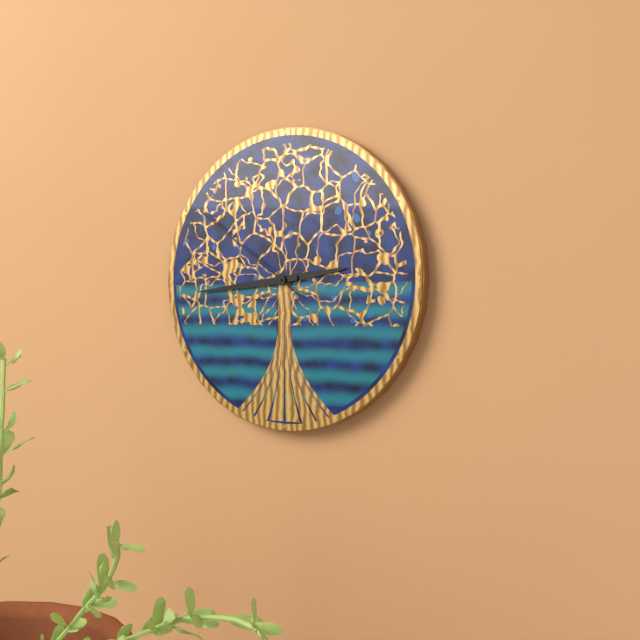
2:44:51
